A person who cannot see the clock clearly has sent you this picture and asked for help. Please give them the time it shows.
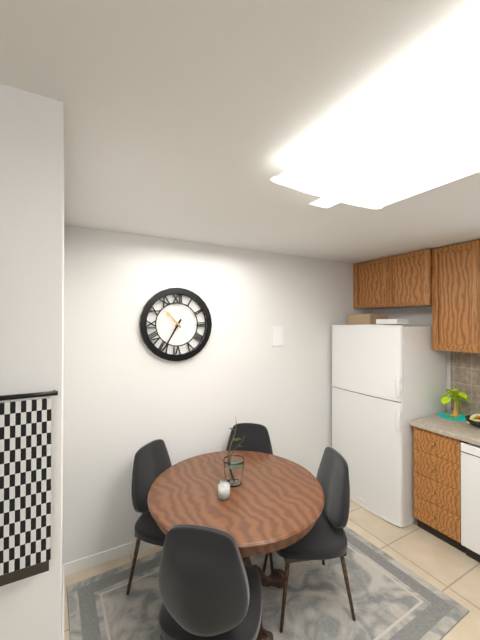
10:35
